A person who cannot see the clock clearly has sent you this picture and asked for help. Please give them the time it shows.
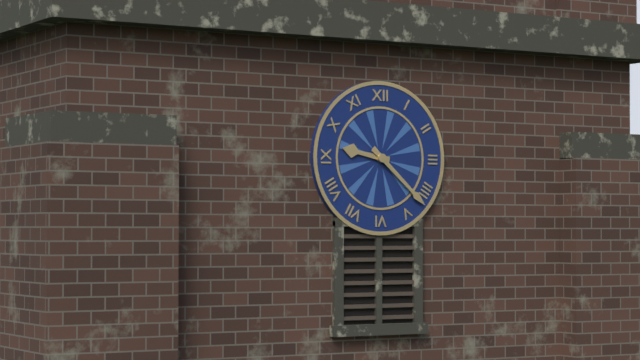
9:22
